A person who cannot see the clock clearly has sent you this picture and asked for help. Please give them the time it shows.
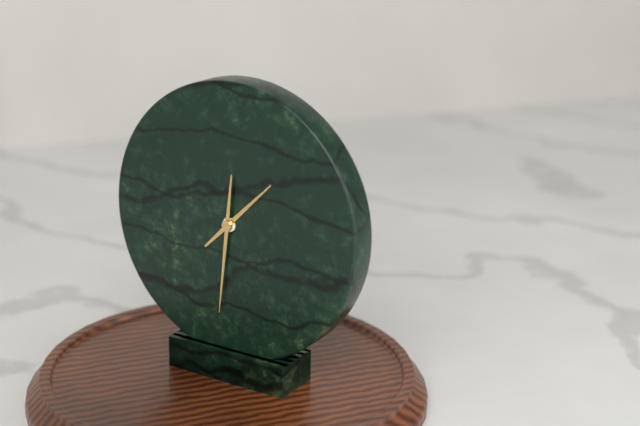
1:31
